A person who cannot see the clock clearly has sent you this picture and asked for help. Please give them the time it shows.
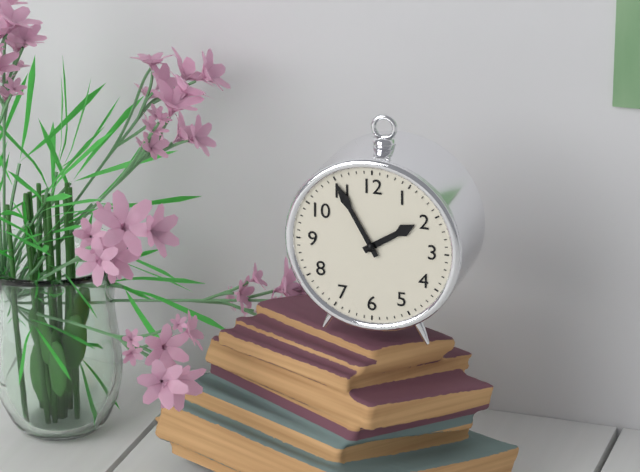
1:55
